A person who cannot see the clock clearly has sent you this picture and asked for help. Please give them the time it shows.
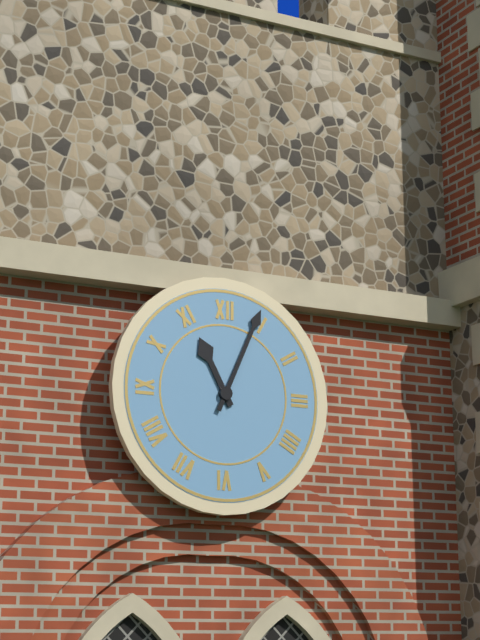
11:04
